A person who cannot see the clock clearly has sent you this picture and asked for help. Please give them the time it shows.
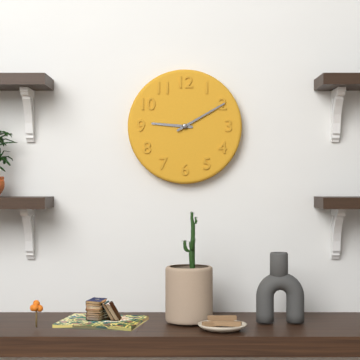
9:10
